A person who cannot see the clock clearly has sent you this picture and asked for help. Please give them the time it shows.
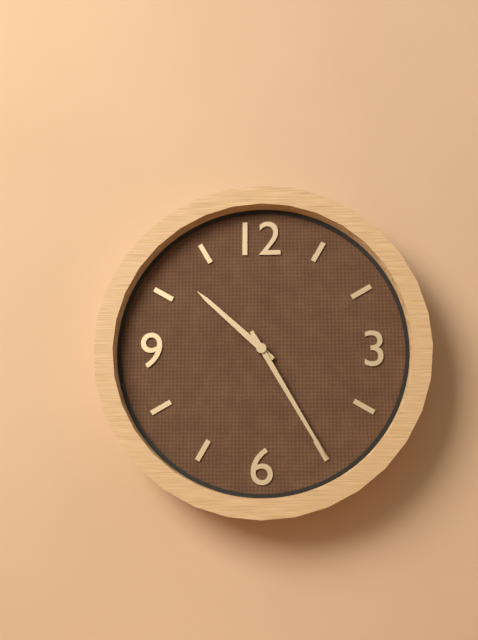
10:25
